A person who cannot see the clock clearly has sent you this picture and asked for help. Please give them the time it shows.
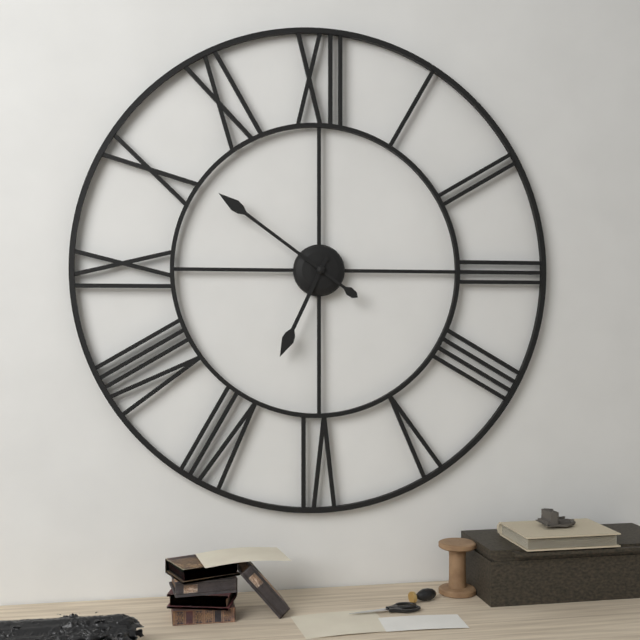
6:51
